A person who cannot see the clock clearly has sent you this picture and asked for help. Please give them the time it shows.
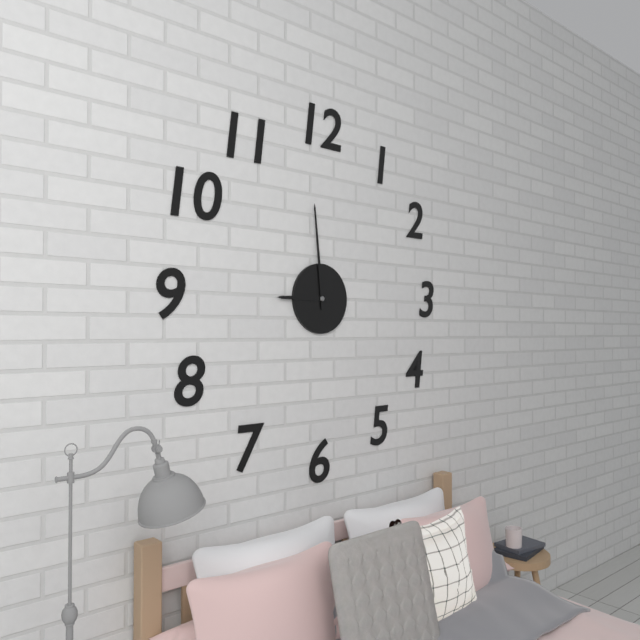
8:59
